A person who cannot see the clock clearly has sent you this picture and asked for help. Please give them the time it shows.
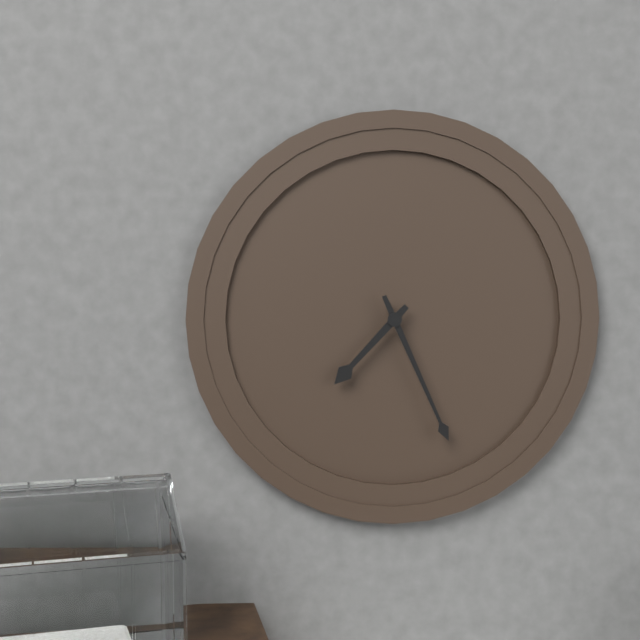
7:26
